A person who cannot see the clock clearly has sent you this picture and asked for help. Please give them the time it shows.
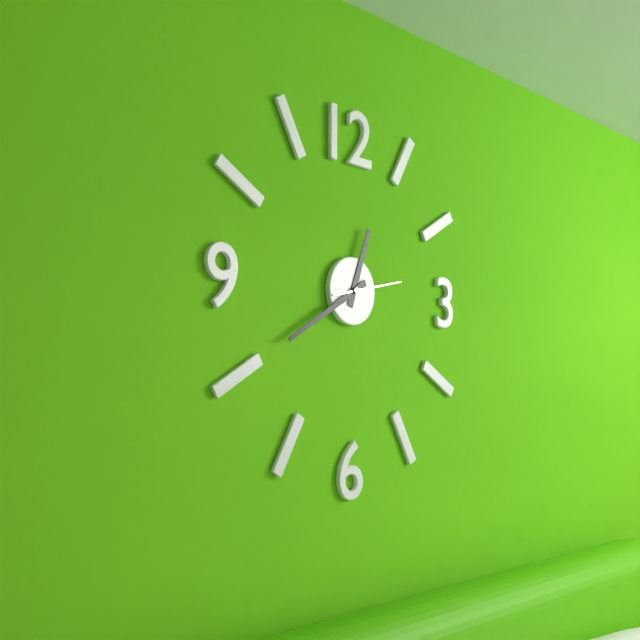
12:40:13
